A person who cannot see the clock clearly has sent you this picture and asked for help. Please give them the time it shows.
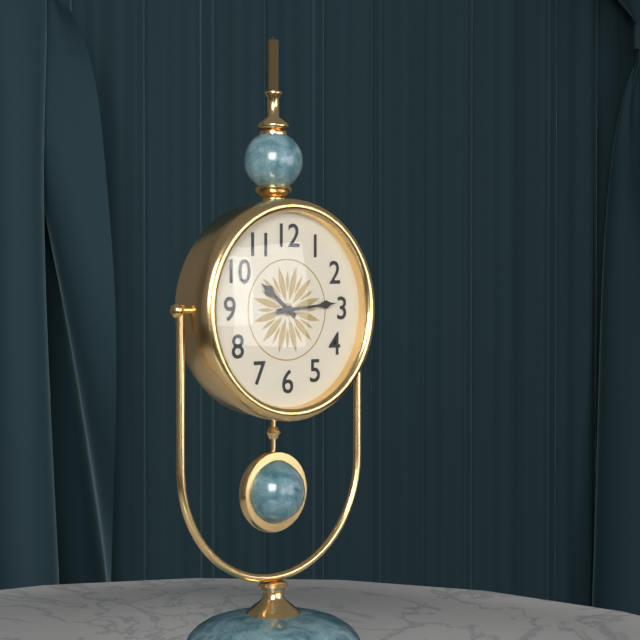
10:14
